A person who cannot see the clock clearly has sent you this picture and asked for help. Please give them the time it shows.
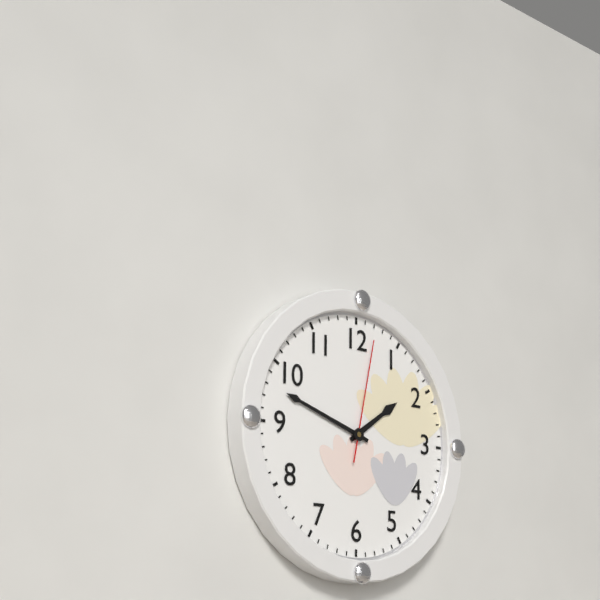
1:48:02
